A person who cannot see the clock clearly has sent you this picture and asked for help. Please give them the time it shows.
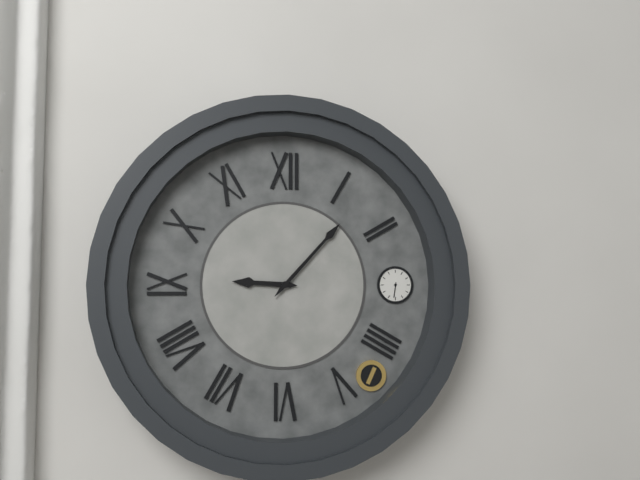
9:07
